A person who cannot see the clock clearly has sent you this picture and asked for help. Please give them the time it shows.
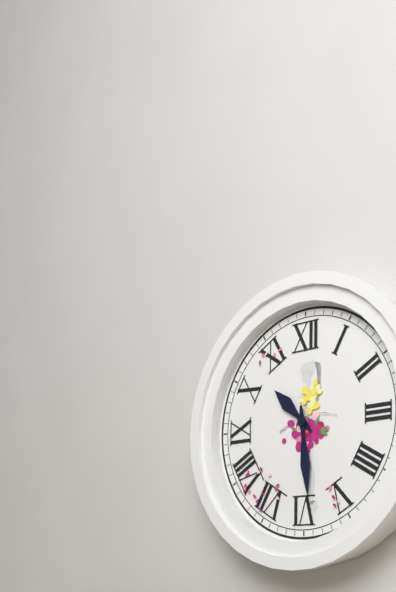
10:29
